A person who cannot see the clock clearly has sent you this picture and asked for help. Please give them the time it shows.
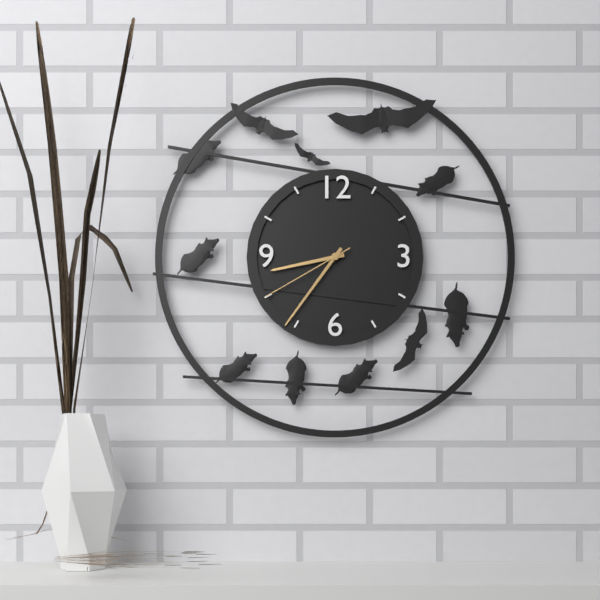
8:36:40
